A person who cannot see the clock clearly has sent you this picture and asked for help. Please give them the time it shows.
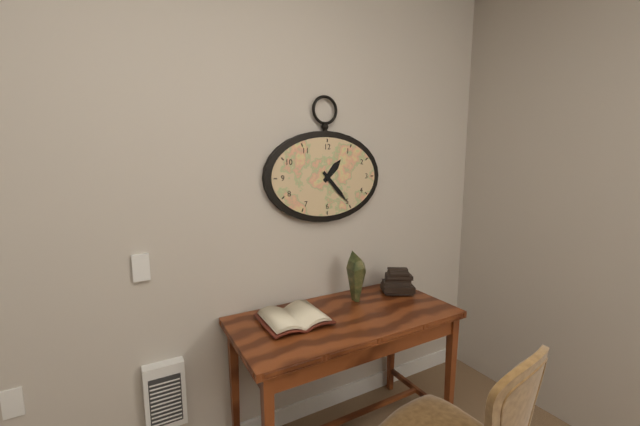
1:23
